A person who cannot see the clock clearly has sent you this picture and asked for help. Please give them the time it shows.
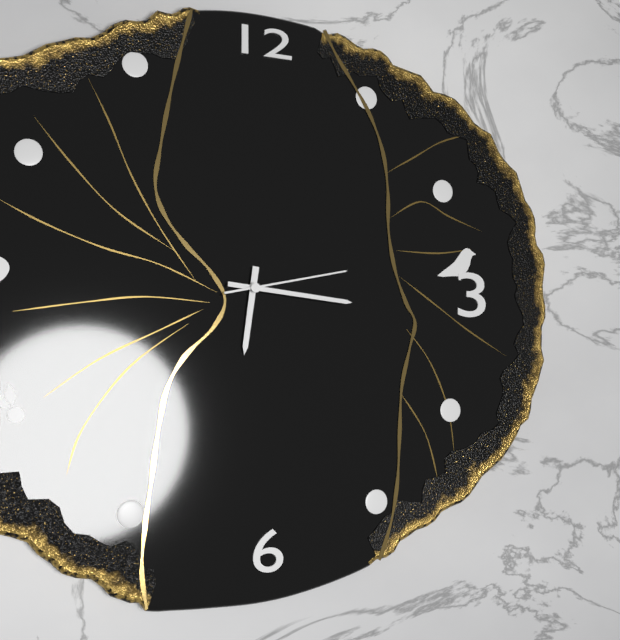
6:16:13
